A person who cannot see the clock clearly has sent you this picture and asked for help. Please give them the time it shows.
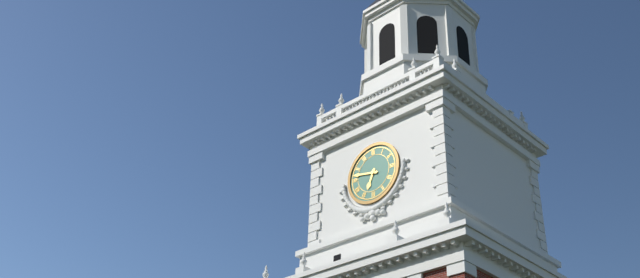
6:47
